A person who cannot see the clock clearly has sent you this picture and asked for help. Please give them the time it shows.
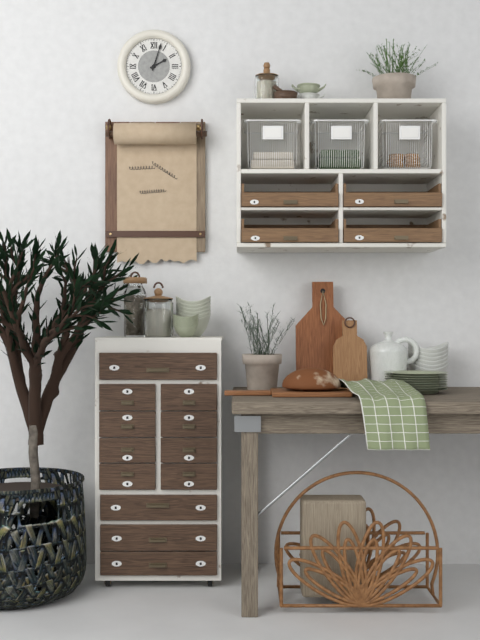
2:03
